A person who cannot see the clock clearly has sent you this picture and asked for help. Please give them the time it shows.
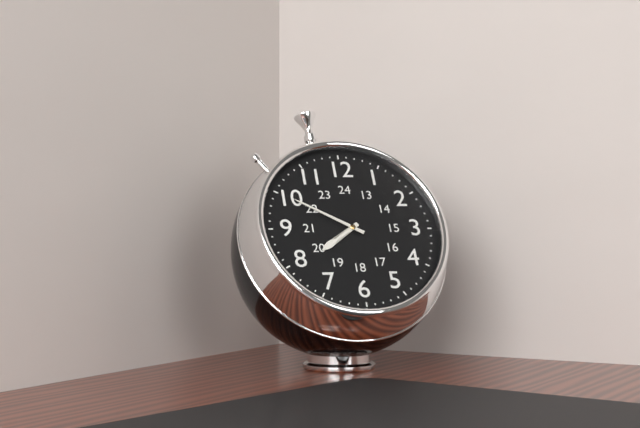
7:50
